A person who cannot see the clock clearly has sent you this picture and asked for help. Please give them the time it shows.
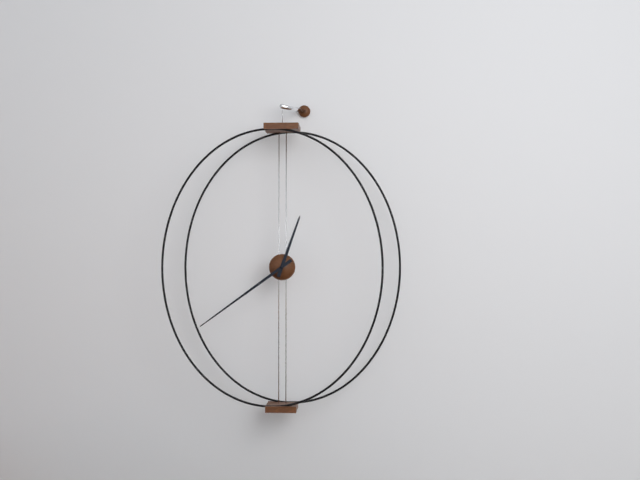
12:39
